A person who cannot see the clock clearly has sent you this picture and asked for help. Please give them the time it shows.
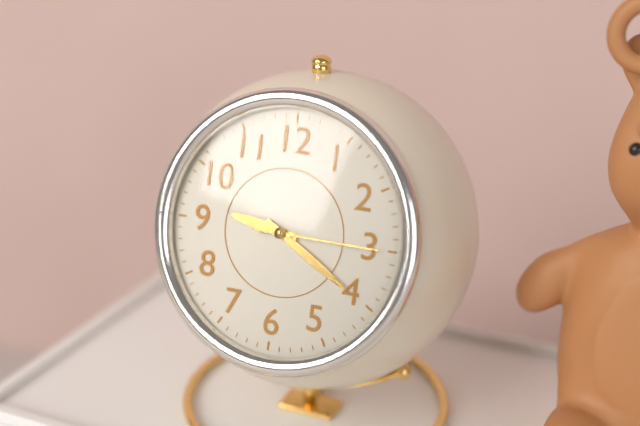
9:20:15
